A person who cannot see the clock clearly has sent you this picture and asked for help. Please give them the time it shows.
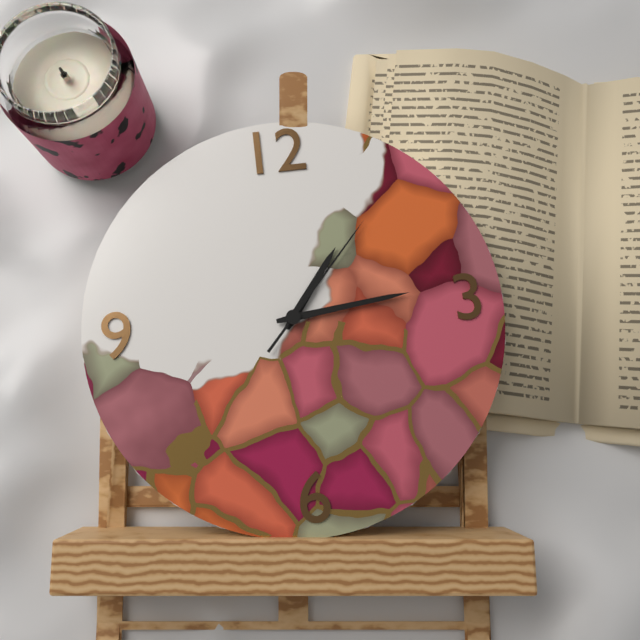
1:14:07
